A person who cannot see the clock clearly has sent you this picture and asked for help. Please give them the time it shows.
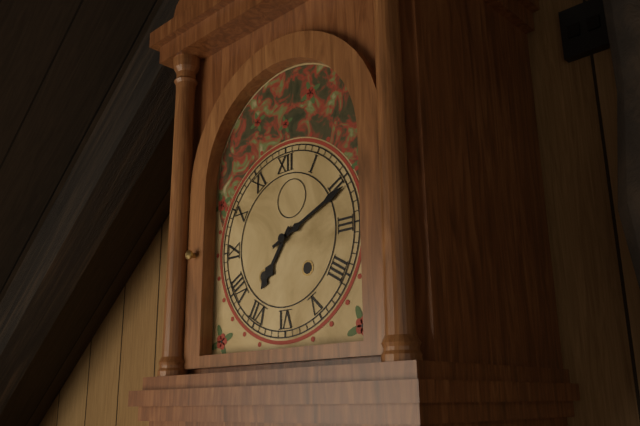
7:11
